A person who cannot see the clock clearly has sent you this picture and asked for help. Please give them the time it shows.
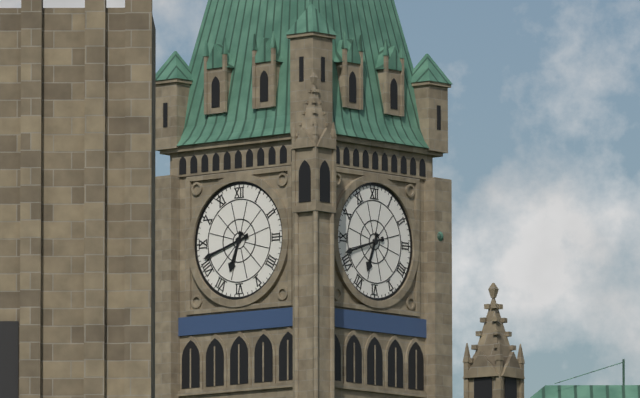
6:42
